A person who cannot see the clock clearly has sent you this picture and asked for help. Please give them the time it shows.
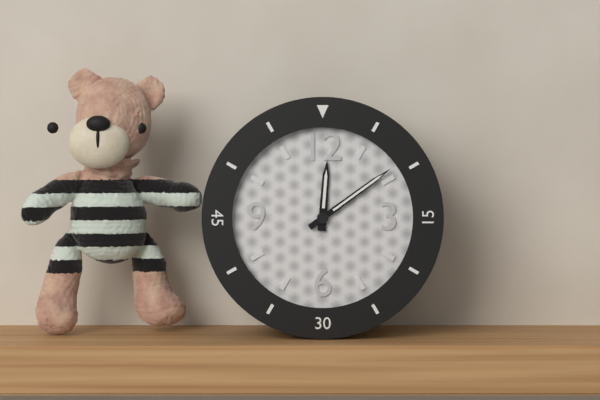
12:09
